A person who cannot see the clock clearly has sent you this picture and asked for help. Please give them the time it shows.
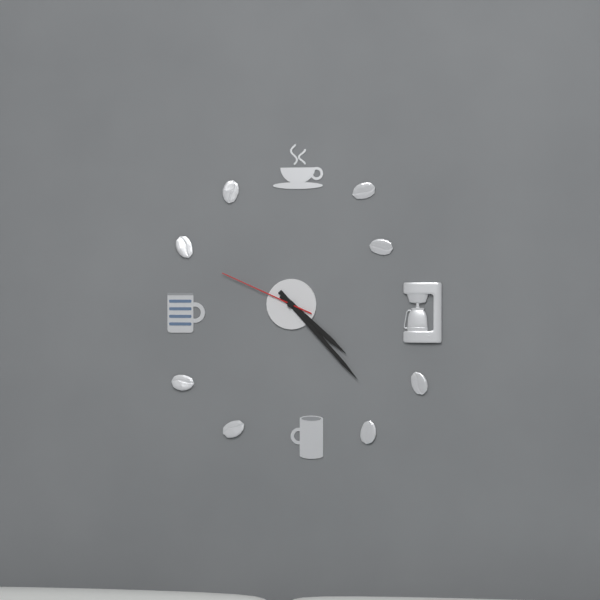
4:23:49
